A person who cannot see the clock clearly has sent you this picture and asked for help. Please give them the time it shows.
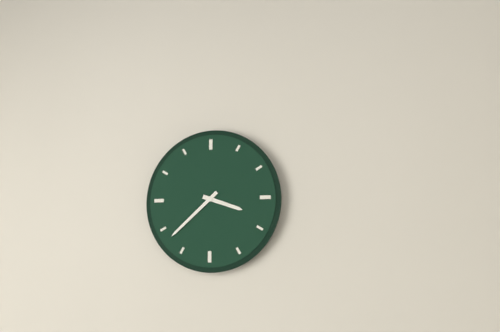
3:38
